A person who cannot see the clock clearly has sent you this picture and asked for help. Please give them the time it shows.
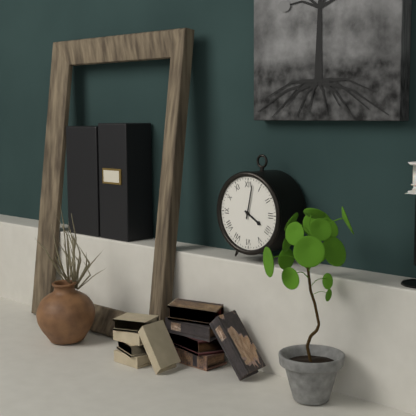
4:02
